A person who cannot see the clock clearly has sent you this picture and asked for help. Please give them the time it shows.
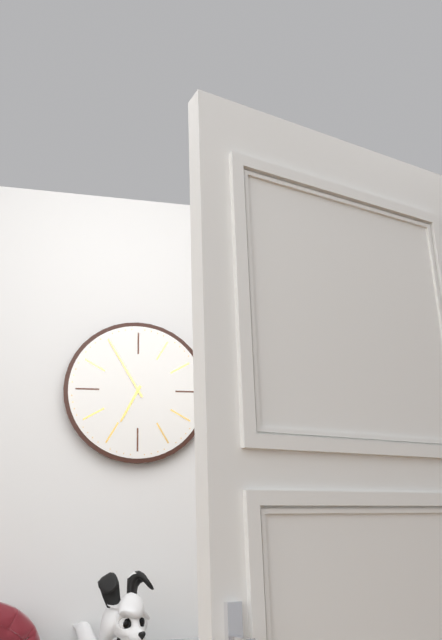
6:55
